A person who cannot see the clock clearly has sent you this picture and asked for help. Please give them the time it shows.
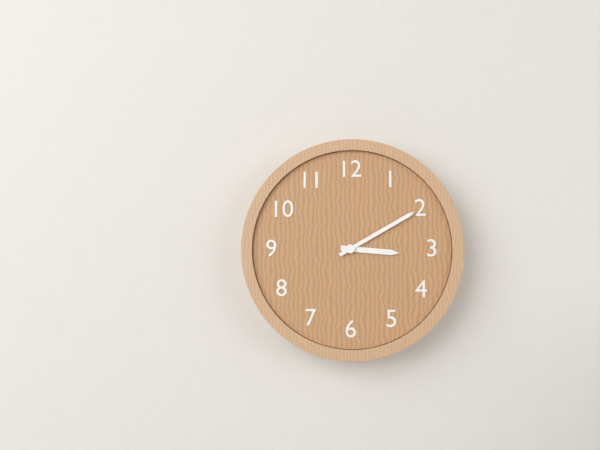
3:10
